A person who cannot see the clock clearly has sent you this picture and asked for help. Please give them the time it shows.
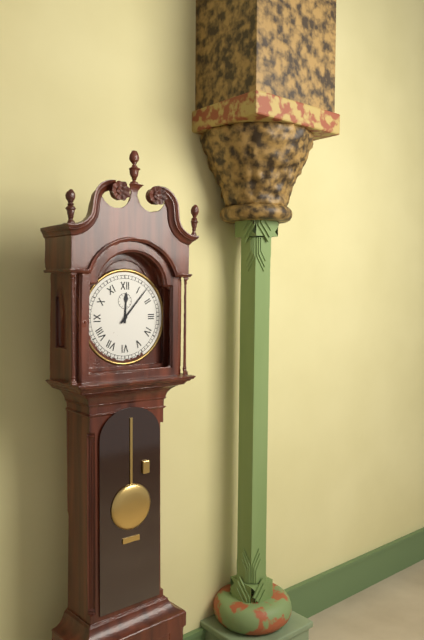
12:07
